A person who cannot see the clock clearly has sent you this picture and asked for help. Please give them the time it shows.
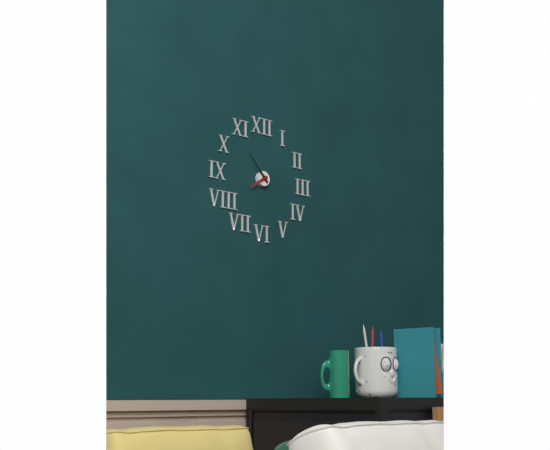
7:53
